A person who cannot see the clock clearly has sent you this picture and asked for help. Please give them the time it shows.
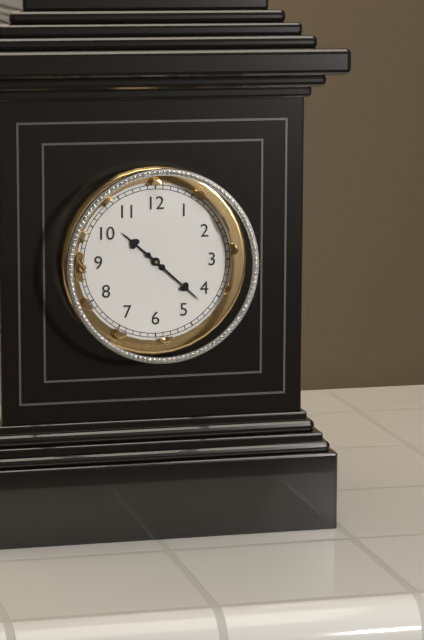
10:22
